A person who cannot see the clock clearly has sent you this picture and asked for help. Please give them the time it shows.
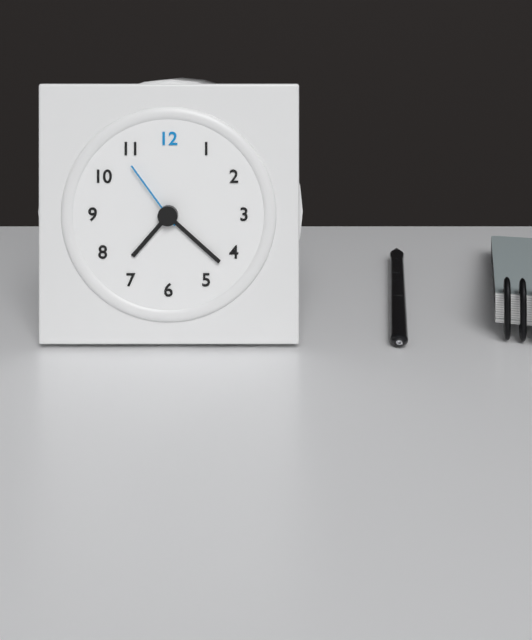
7:22:54
